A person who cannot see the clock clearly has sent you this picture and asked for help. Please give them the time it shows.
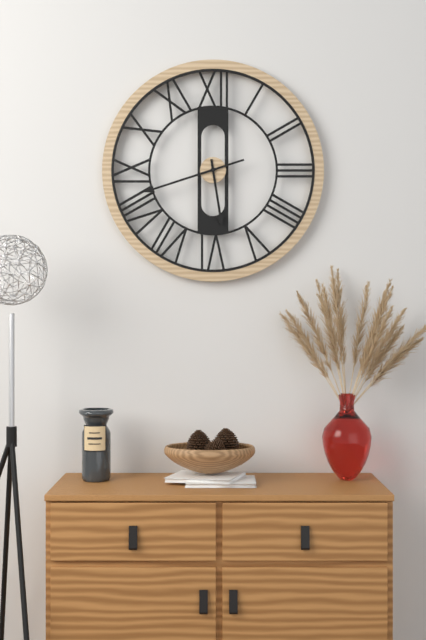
5:42
